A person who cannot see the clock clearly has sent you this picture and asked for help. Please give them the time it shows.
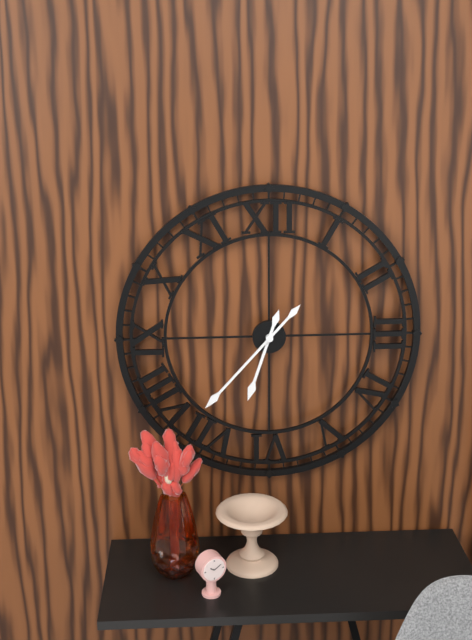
6:37
